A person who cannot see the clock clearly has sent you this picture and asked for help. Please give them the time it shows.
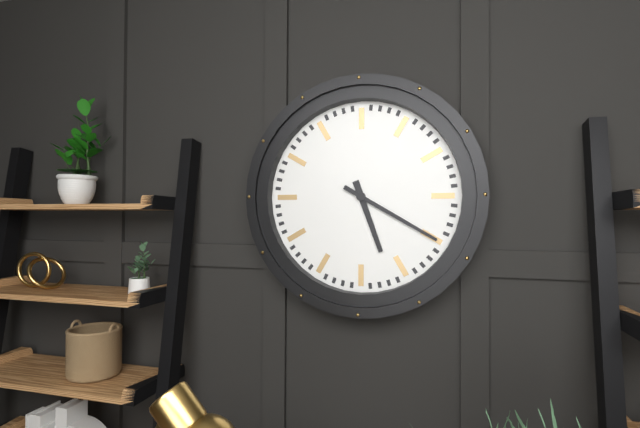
5:20
